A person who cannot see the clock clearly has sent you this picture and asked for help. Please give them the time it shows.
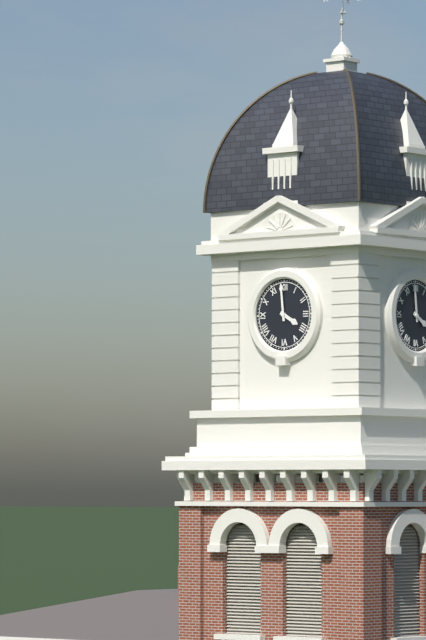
3:59
